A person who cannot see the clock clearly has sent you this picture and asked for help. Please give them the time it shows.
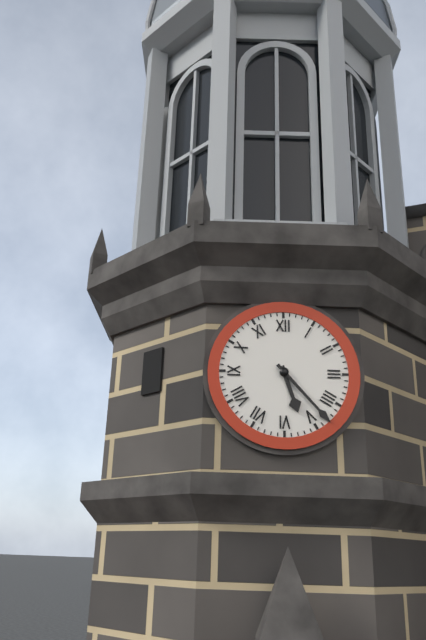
5:23
